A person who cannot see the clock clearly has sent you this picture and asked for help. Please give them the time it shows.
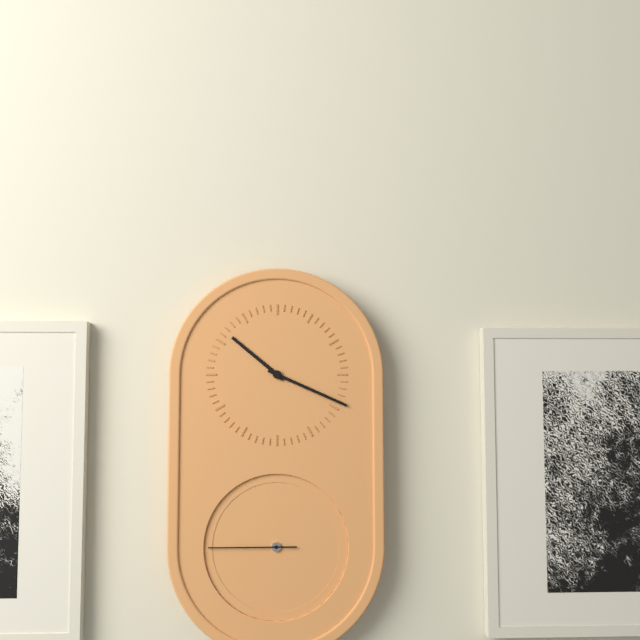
10:19:45
